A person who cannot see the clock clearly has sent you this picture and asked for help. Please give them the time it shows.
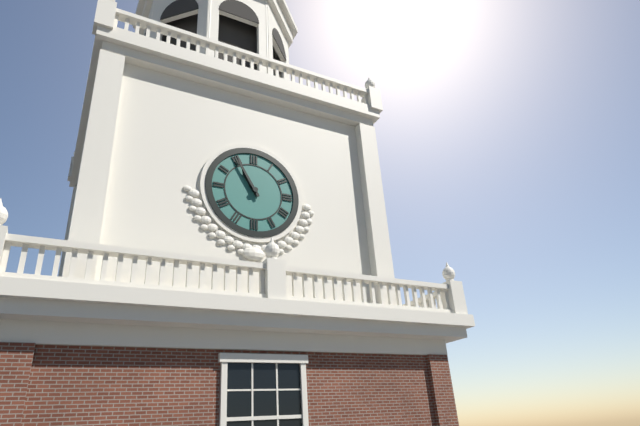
10:55
